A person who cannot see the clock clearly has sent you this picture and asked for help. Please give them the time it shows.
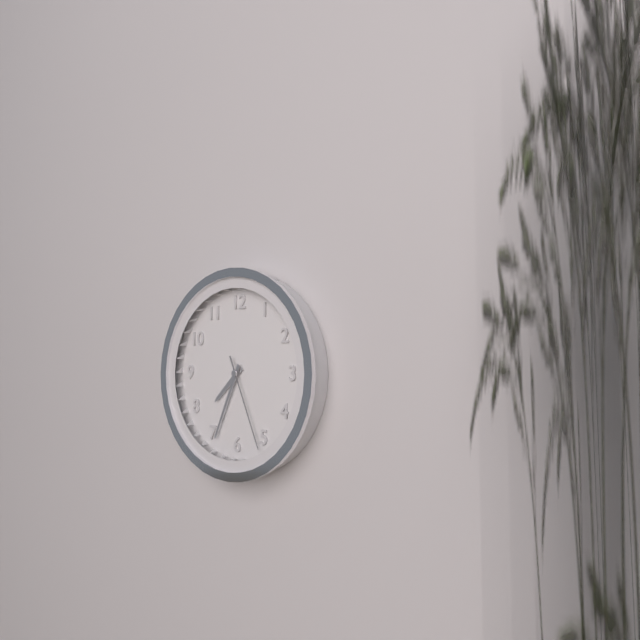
7:34:26
